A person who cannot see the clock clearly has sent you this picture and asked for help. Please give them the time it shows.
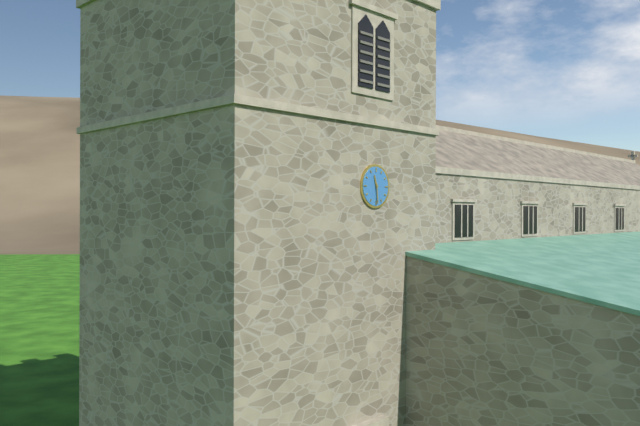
11:29
